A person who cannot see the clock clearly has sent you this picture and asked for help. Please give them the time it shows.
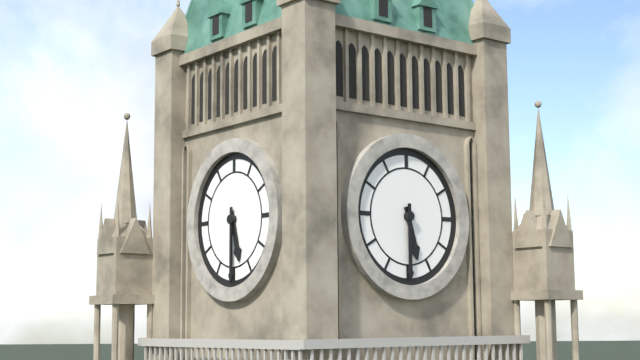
5:30
